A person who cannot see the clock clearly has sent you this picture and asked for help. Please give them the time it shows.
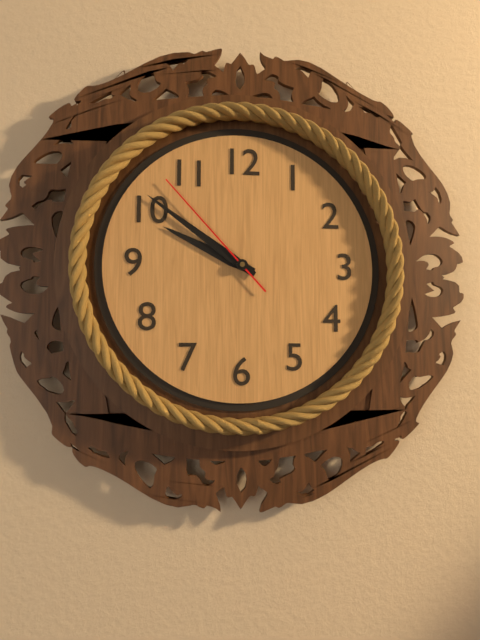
9:51:53
